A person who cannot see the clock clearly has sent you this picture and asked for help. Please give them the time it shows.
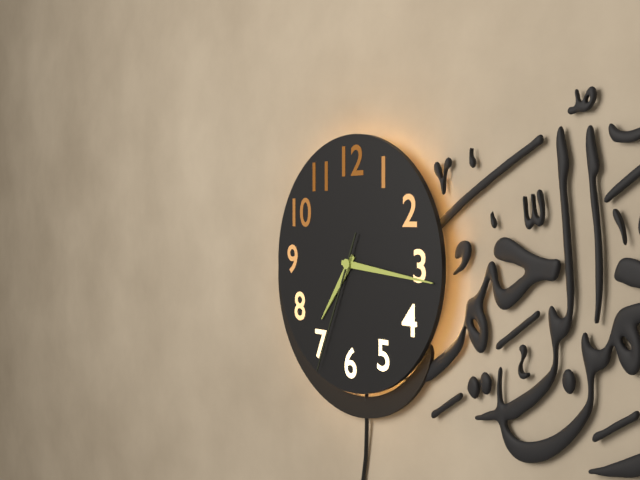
7:16:34
